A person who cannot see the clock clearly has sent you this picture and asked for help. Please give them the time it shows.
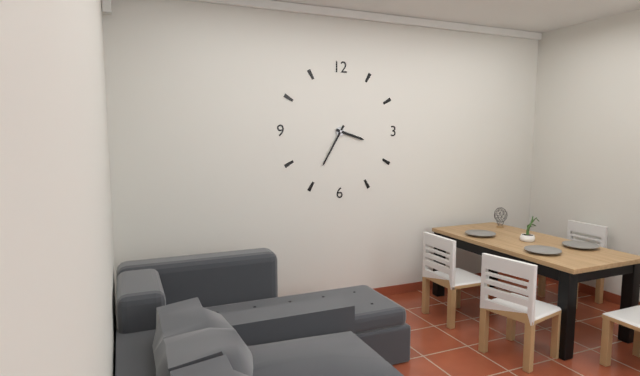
3:35
